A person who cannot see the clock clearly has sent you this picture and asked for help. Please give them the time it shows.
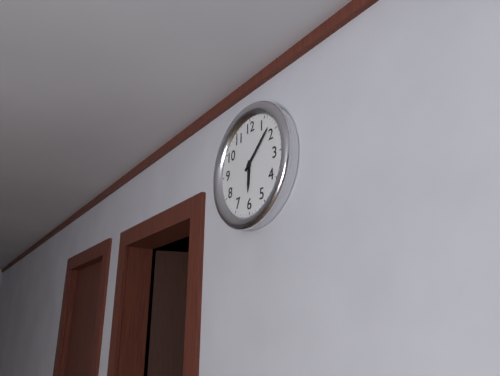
6:08
